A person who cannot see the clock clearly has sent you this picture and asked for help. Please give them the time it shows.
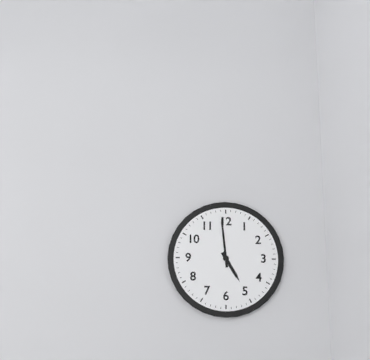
4:59
